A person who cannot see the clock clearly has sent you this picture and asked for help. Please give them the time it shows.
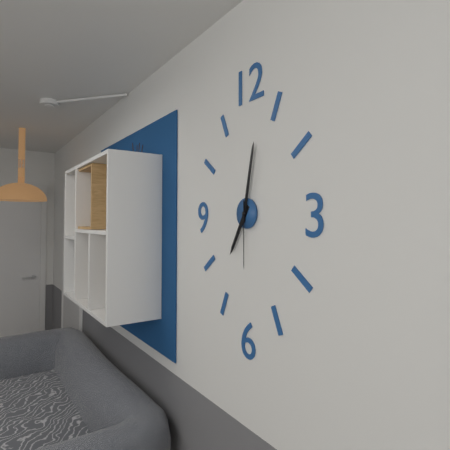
7:02:30
